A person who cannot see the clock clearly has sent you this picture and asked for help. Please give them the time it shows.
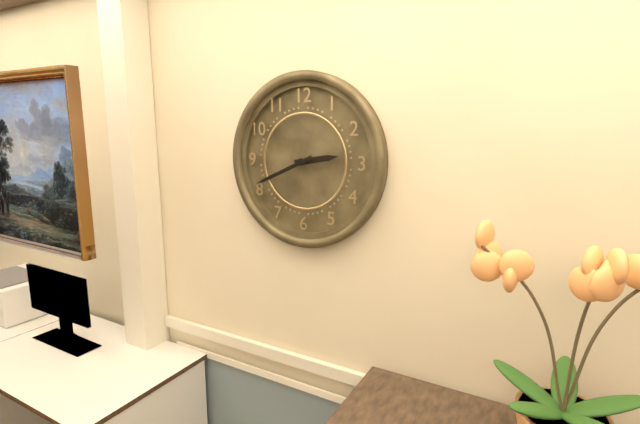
2:41
